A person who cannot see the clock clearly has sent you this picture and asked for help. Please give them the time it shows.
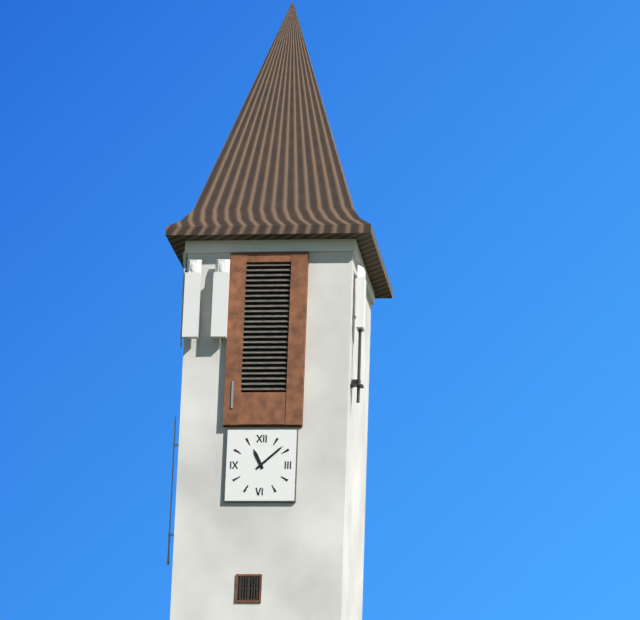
11:08
